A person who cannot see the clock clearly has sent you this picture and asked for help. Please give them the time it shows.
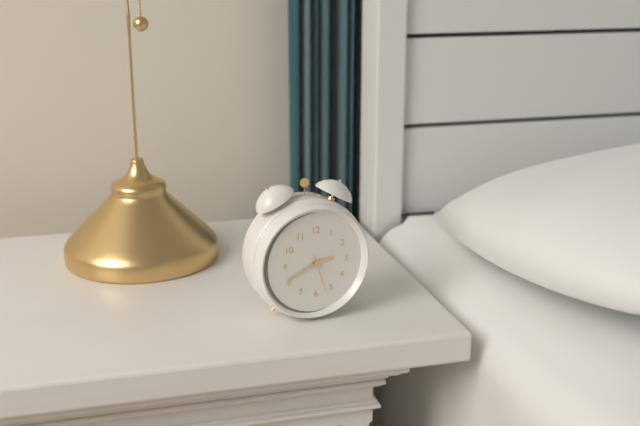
2:41
